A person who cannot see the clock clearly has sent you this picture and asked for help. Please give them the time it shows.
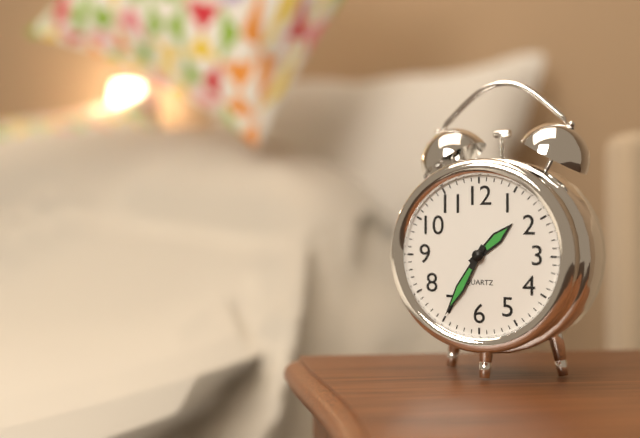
1:35
